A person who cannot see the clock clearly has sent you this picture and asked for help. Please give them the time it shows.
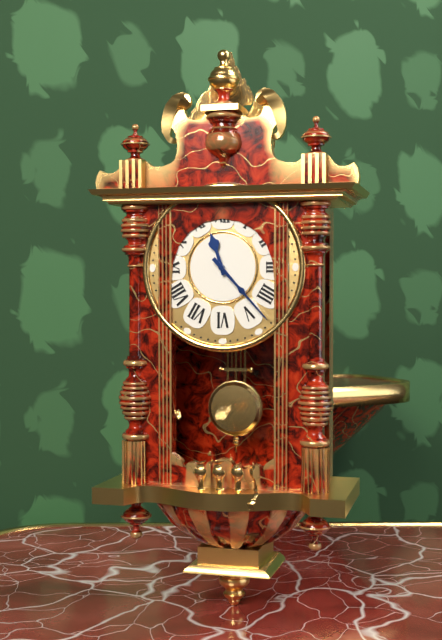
11:23
